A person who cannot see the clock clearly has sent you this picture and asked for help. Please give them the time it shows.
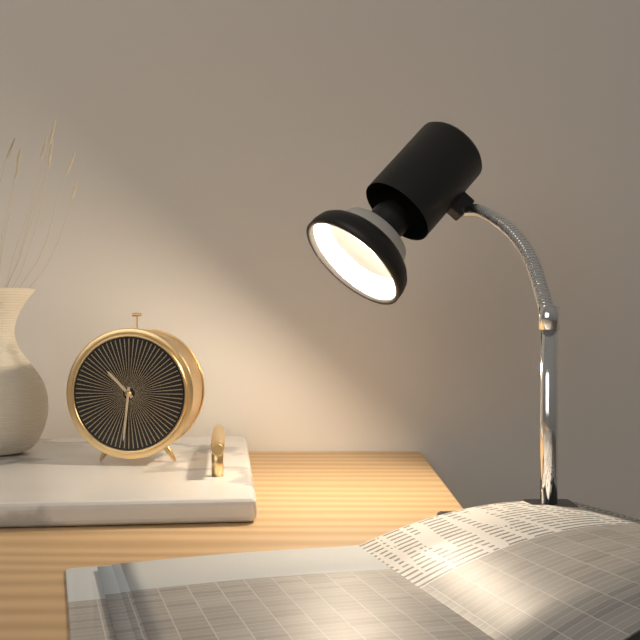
10:31
